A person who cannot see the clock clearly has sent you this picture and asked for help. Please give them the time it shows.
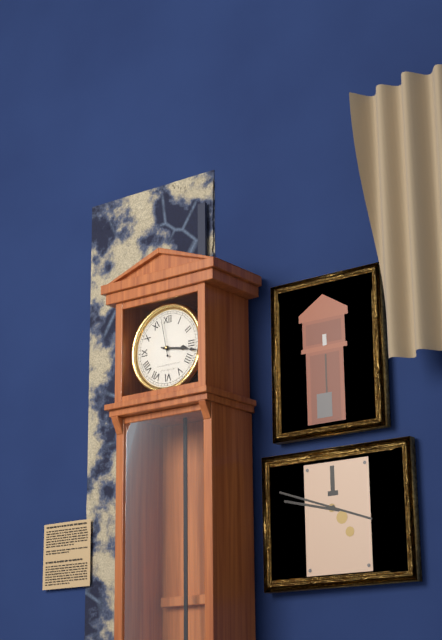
3:17
